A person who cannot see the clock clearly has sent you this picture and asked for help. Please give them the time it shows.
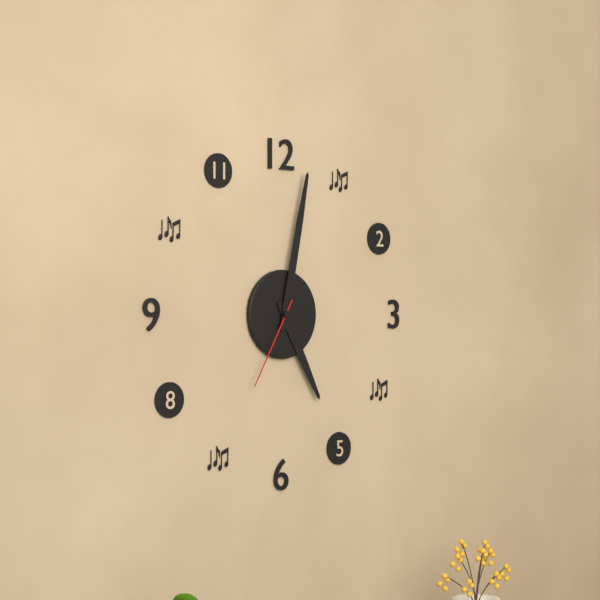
5:02:35
